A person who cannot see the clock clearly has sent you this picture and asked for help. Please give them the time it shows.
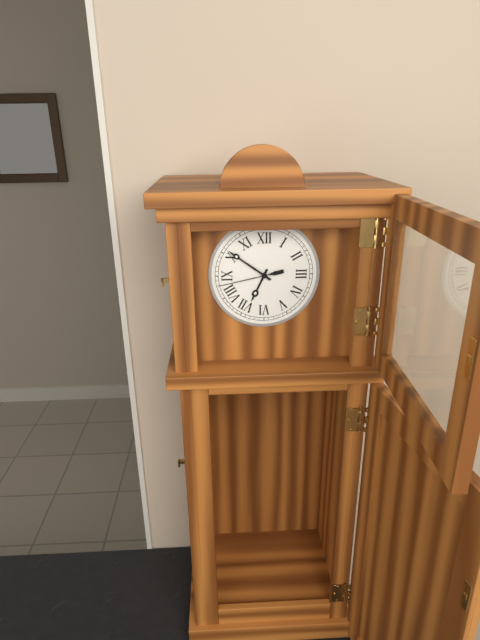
6:51:43
